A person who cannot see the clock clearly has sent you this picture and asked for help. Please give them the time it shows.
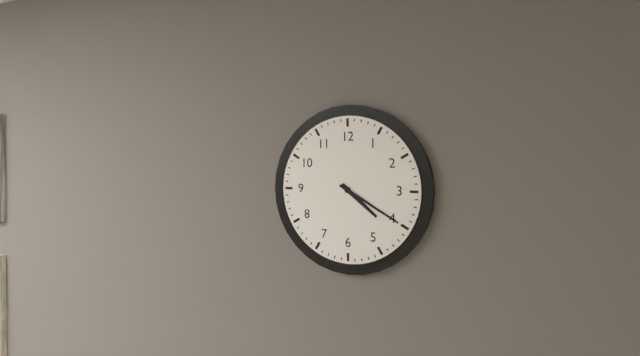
4:20
